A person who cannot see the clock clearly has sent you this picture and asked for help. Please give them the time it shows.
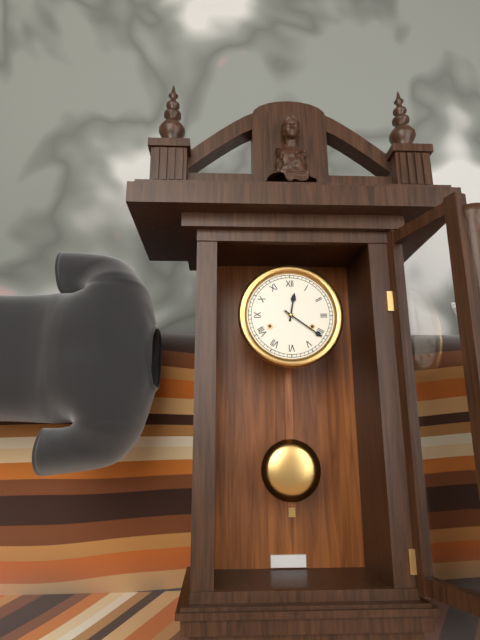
12:21
